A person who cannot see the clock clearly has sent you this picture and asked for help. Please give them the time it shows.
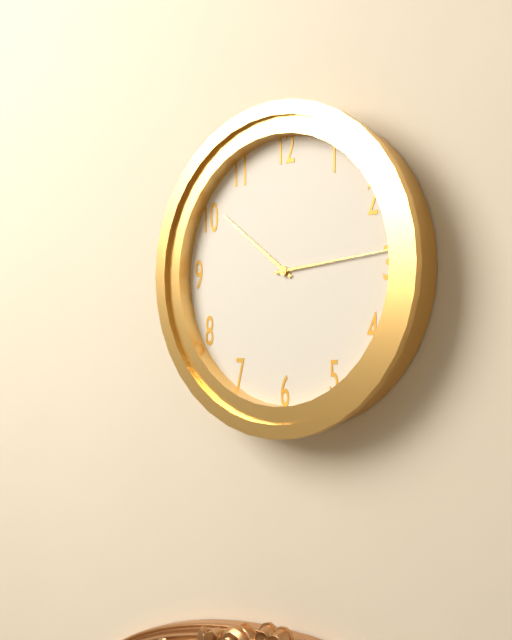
10:14
